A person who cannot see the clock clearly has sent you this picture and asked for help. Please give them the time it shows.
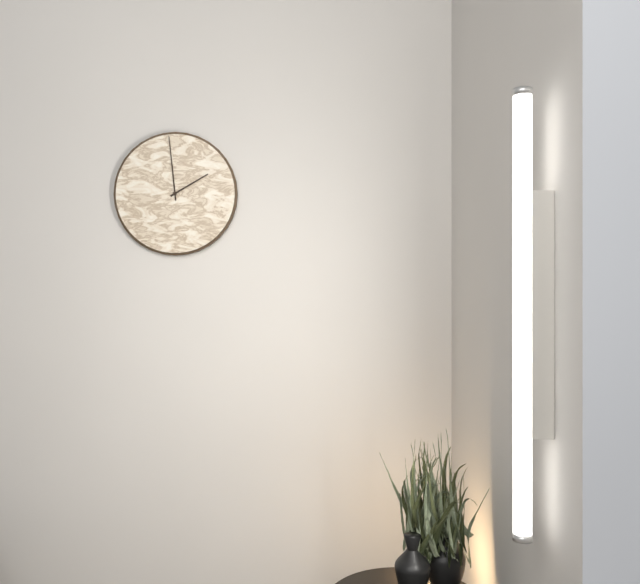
1:59
